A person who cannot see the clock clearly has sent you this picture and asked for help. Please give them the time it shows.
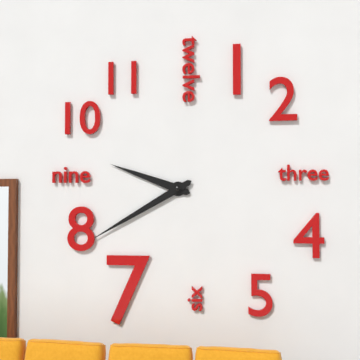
9:40
